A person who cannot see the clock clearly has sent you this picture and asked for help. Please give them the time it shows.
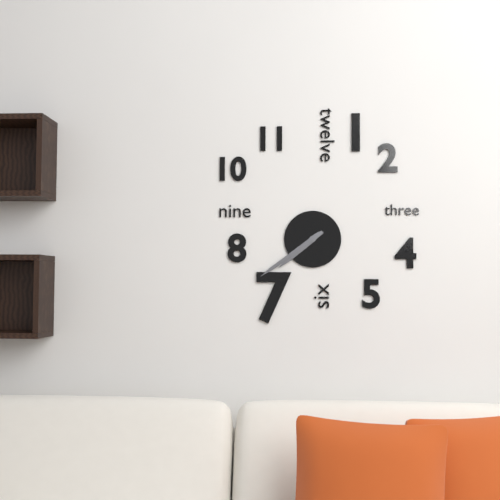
7:39
